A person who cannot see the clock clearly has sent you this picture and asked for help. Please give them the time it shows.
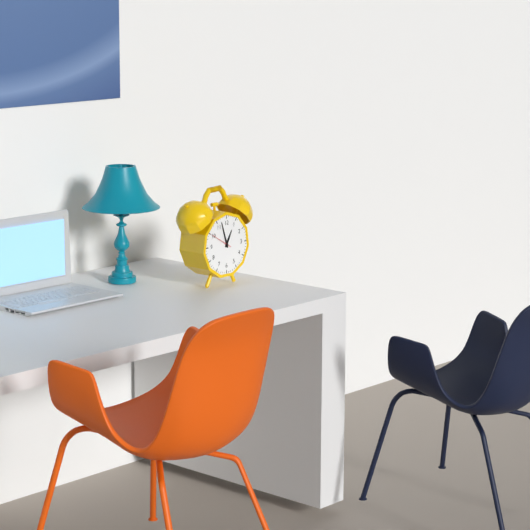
12:57
